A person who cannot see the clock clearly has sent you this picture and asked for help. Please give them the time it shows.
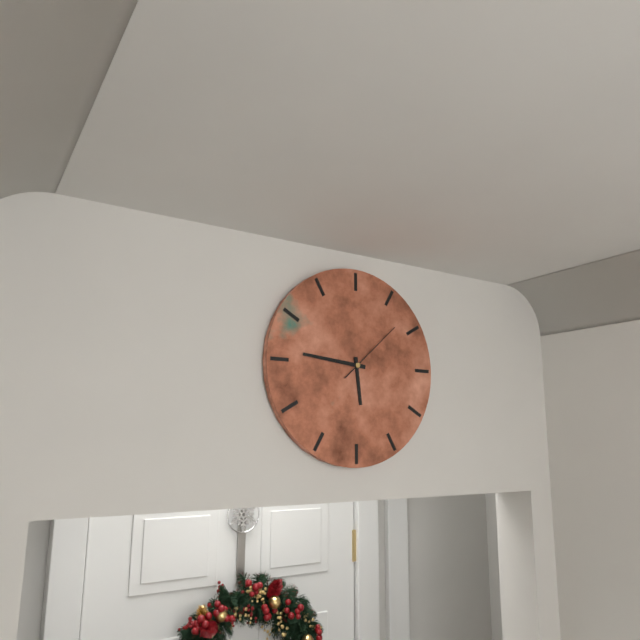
5:46:08
